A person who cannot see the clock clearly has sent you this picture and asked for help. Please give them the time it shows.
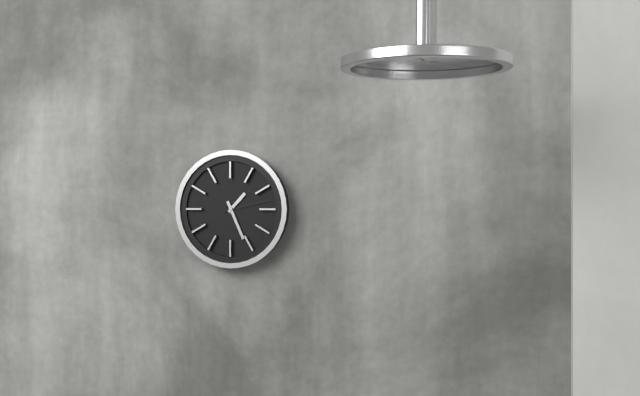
1:26
